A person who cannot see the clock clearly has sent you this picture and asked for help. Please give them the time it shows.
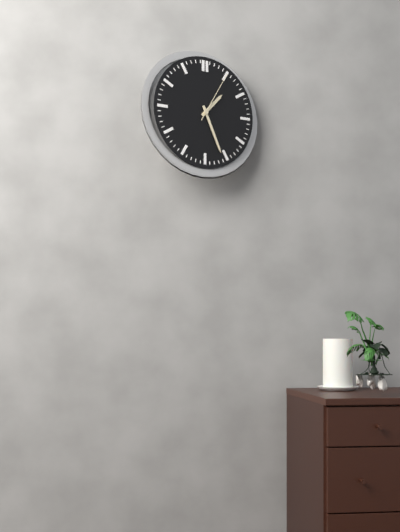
1:26:05
